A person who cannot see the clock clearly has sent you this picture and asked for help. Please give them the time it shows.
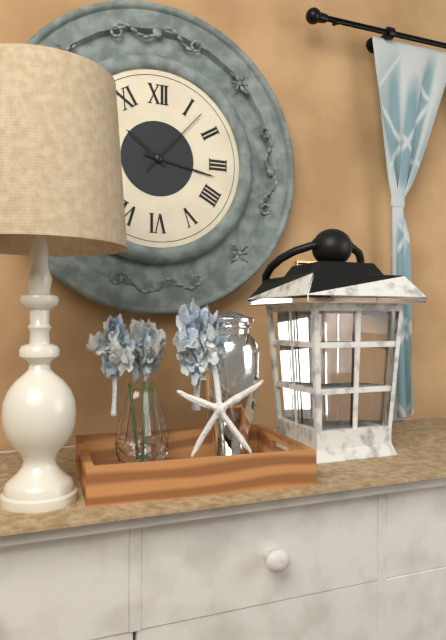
10:17:07
